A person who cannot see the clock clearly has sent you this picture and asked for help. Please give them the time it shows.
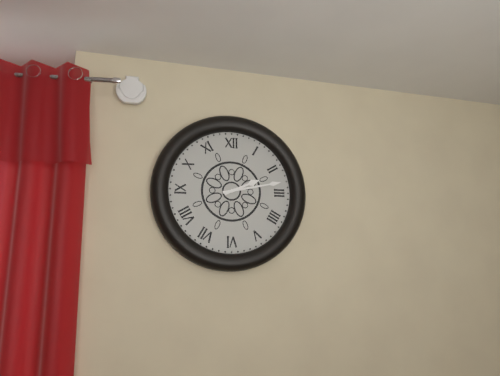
2:13
